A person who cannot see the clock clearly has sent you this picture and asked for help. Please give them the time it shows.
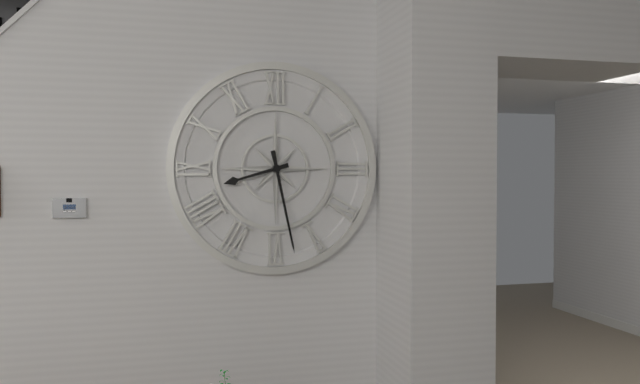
8:28
